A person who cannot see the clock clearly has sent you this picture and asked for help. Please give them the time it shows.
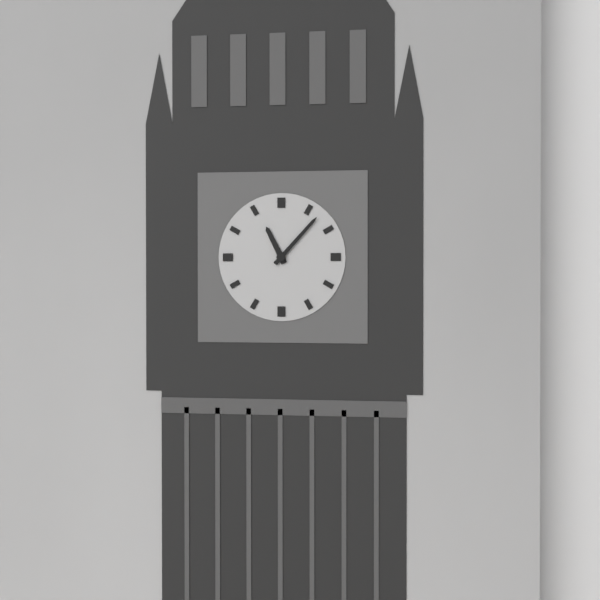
11:07
